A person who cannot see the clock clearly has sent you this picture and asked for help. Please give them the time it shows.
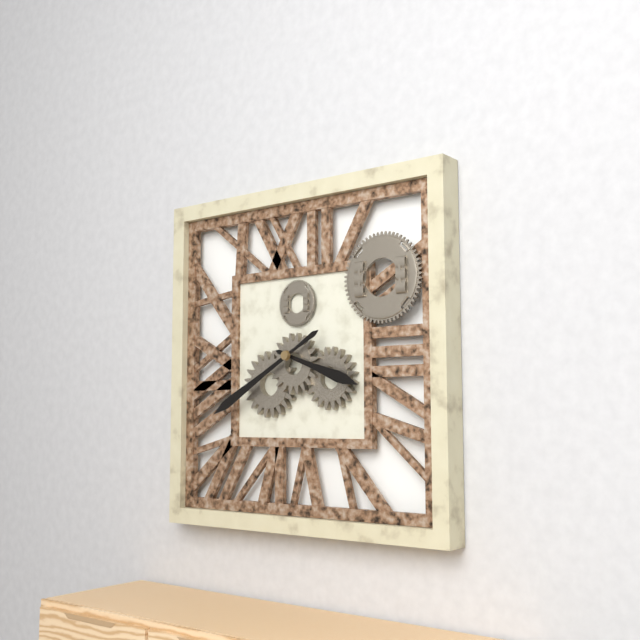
3:40
